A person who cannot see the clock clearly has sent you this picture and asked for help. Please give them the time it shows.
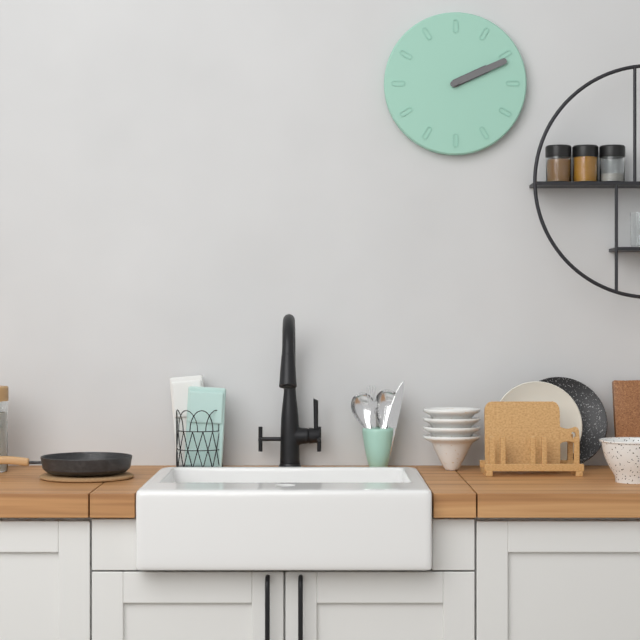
2:11
